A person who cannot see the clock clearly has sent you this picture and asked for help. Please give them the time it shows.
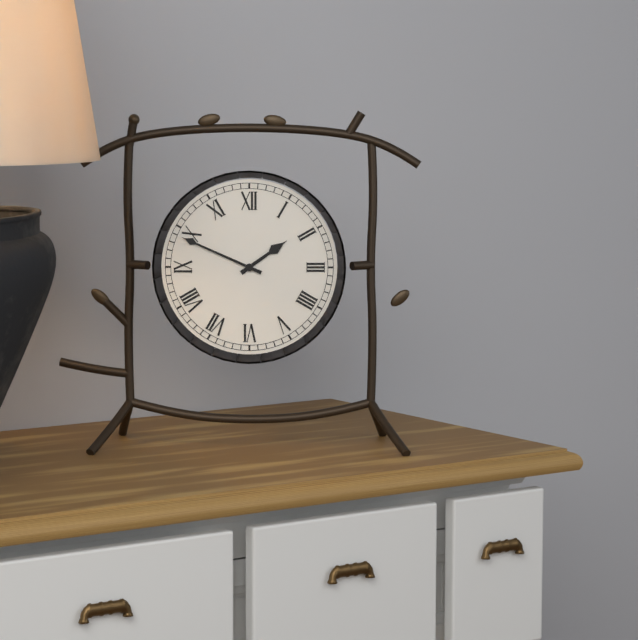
1:49
